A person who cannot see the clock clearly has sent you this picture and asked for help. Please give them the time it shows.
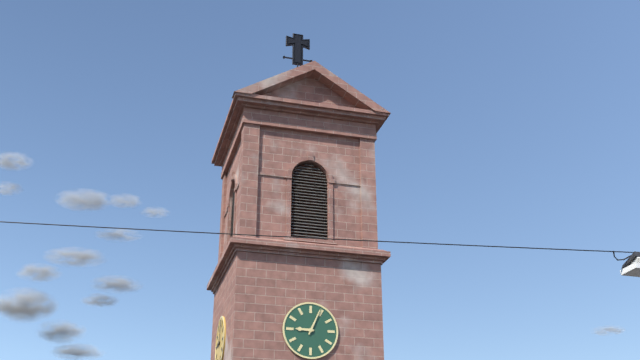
9:04
